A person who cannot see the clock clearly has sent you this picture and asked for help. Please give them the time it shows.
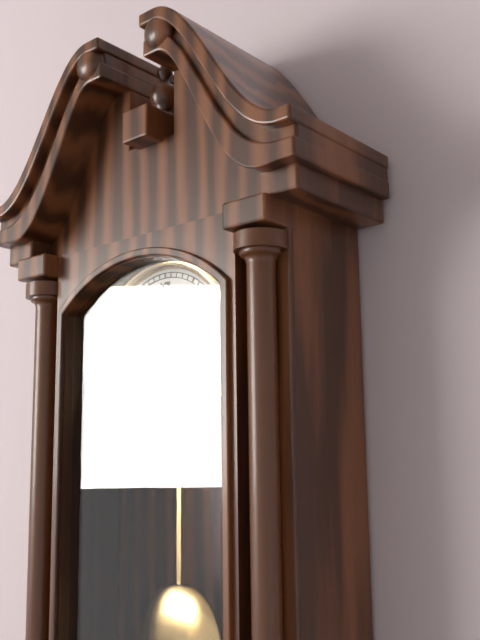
12:14
